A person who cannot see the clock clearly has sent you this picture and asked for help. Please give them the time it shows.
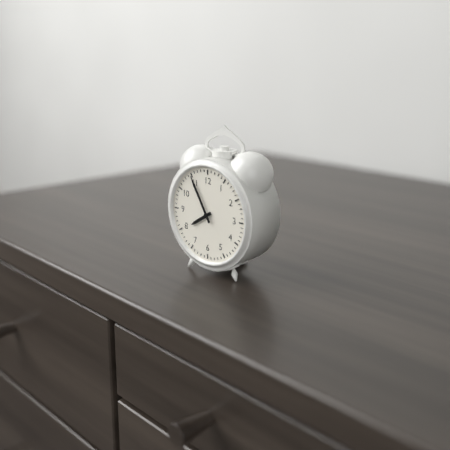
7:55
